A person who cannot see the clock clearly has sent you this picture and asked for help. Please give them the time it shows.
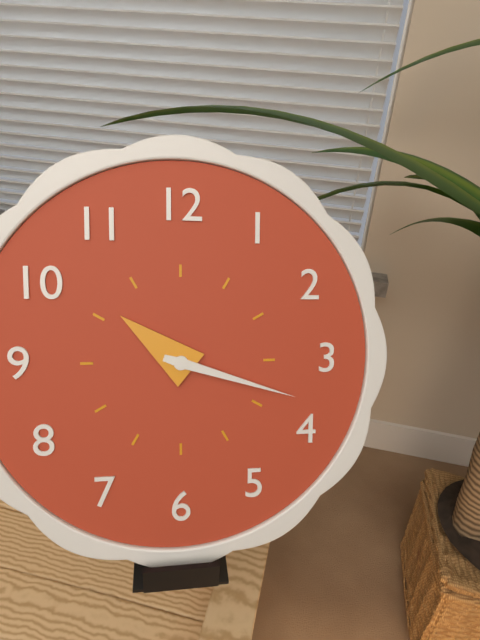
10:18
